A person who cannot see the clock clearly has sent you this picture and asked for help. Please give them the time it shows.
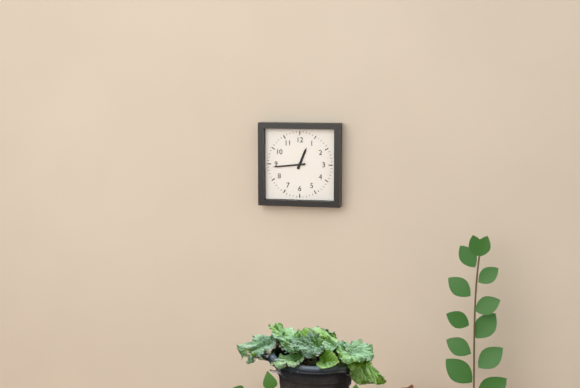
12:44
